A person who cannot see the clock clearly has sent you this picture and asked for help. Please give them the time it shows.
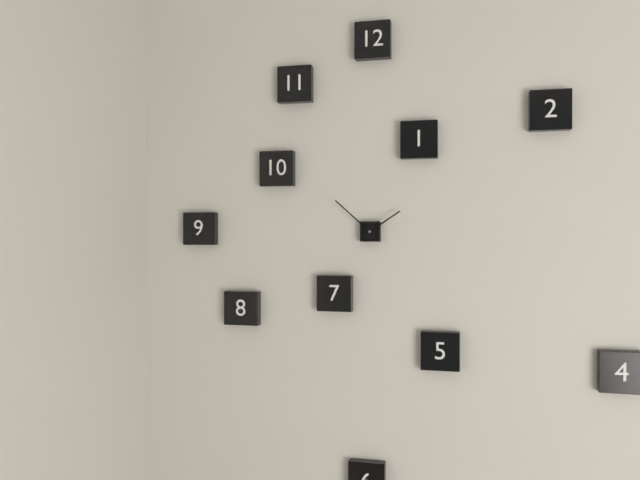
1:52
